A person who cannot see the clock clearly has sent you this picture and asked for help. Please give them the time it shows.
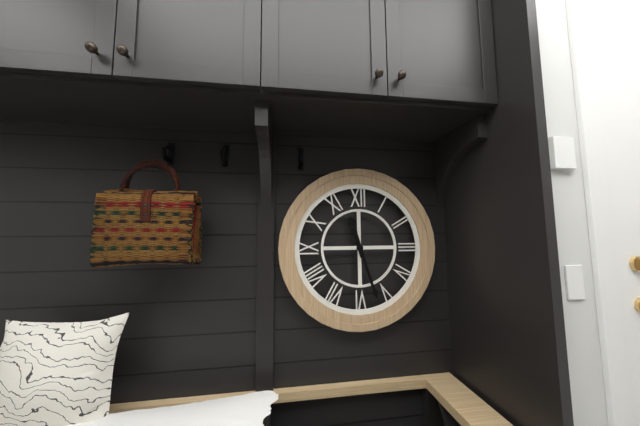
11:27
